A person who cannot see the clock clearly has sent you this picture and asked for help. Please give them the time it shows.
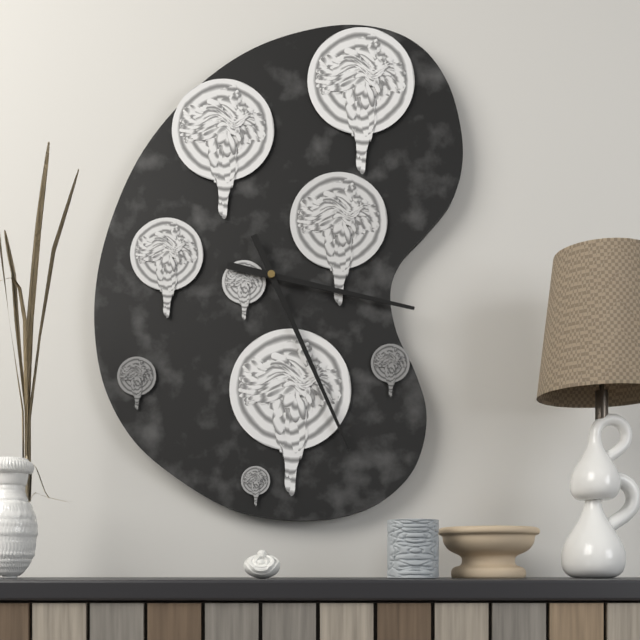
3:26
